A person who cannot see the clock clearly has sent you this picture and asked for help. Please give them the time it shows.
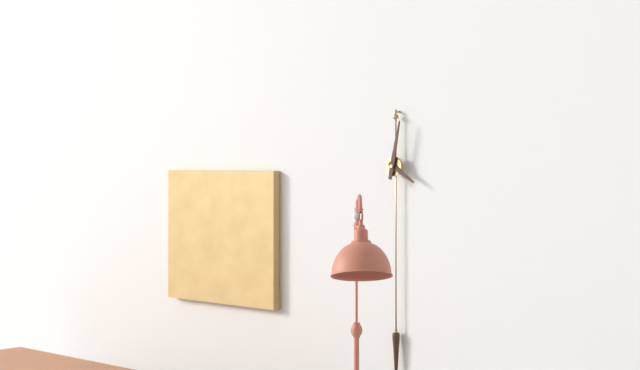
4:02
